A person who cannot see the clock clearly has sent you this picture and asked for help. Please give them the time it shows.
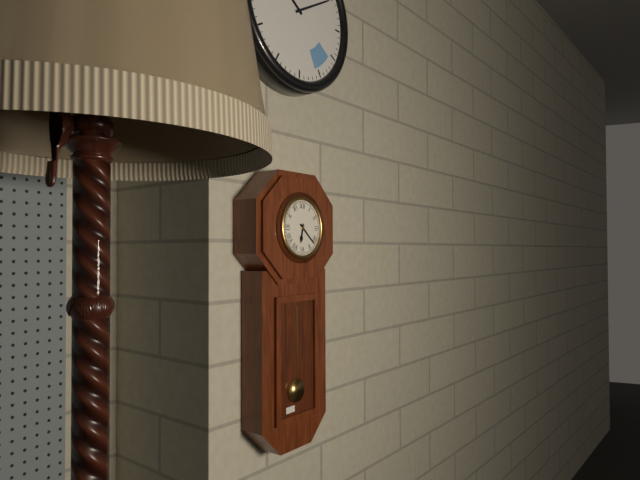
6:22
